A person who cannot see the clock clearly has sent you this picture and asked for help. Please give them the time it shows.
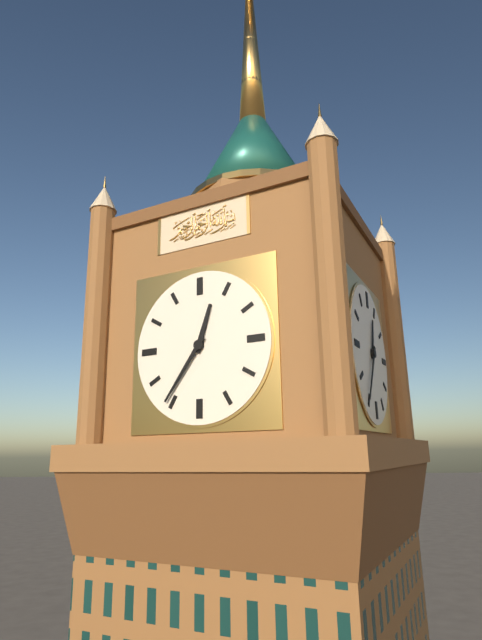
12:36
